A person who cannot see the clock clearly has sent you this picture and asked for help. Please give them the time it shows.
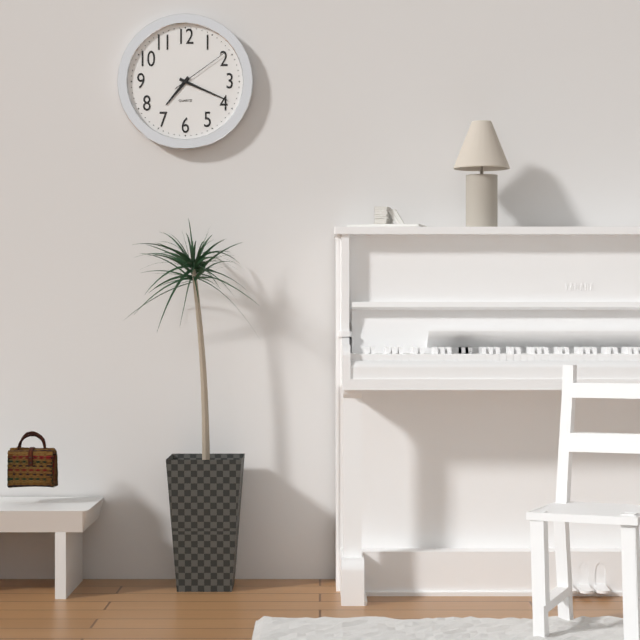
7:19:09
